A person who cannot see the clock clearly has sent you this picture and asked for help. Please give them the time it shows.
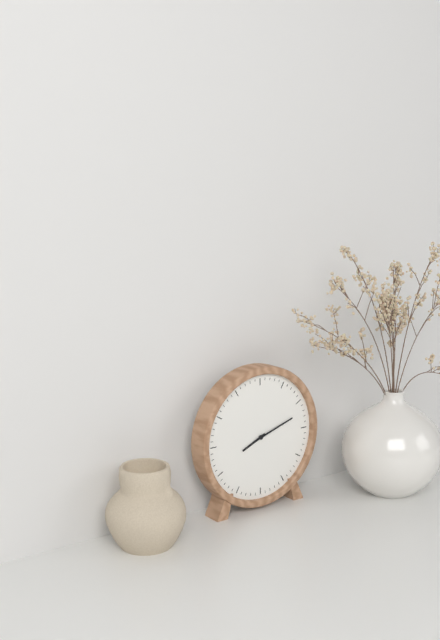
8:12
